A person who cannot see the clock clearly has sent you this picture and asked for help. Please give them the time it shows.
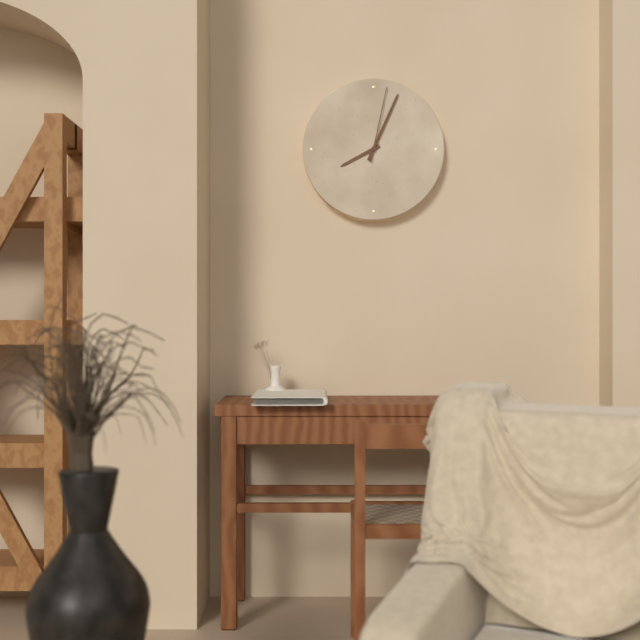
8:04:02
